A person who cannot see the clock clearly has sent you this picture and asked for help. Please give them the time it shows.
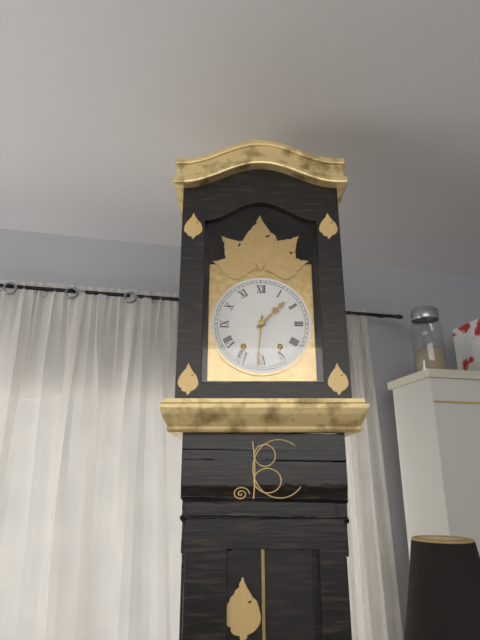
1:31
